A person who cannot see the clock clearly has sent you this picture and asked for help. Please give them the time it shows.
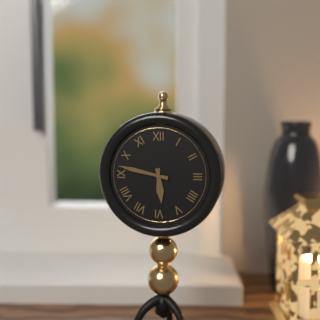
5:47
